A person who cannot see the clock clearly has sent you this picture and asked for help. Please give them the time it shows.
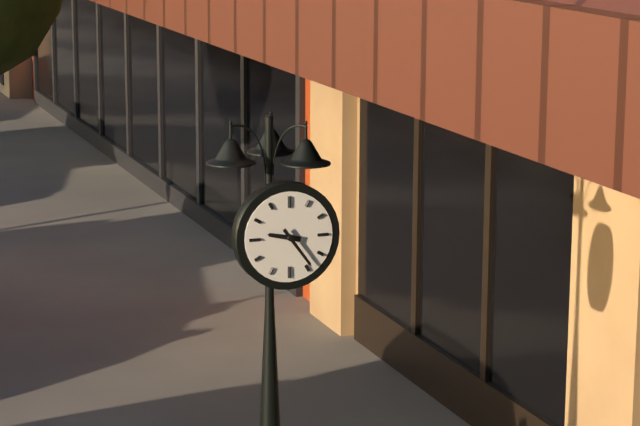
9:24
